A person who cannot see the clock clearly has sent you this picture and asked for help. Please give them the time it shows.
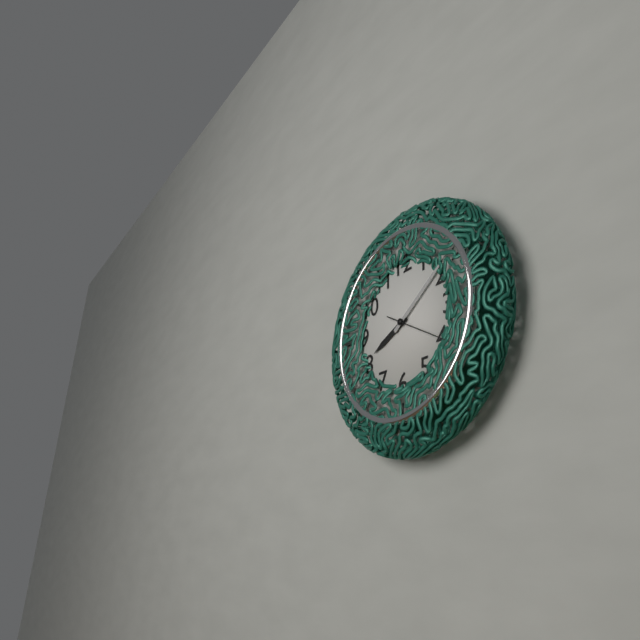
8:09:20
